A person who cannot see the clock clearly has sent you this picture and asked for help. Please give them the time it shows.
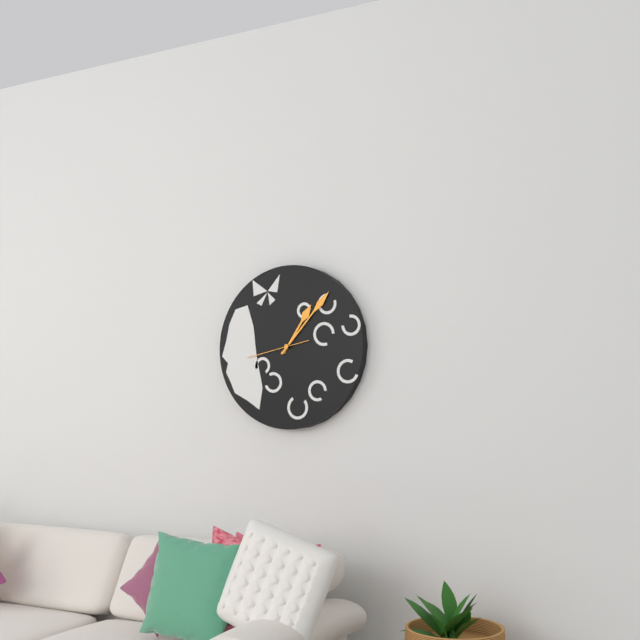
1:07:43
